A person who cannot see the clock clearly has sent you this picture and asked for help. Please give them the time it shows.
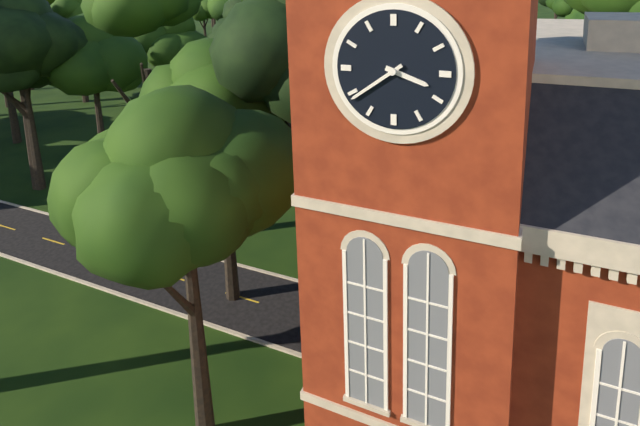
3:39
